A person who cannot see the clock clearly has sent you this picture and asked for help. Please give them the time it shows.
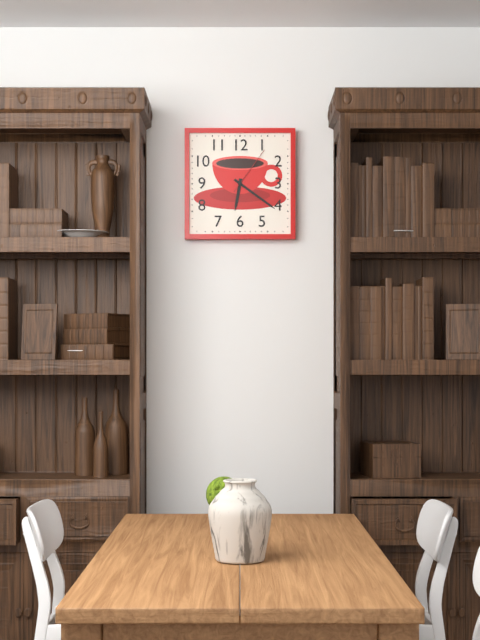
6:21:06
